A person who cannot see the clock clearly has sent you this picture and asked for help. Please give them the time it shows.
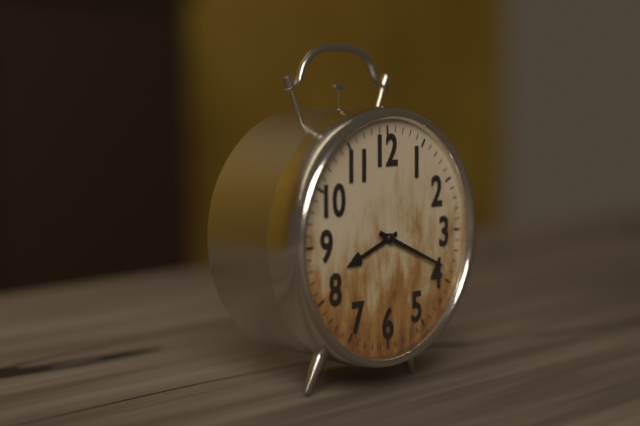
8:19
